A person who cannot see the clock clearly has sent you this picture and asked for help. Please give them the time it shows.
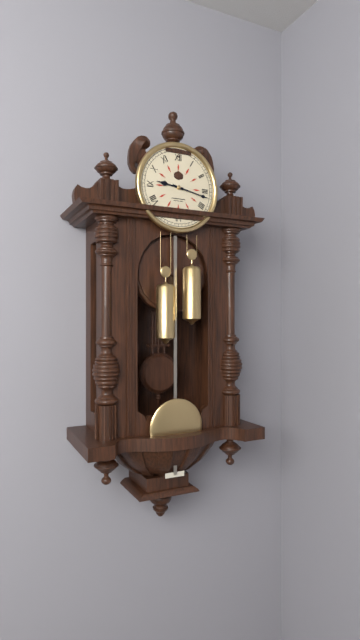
9:17
